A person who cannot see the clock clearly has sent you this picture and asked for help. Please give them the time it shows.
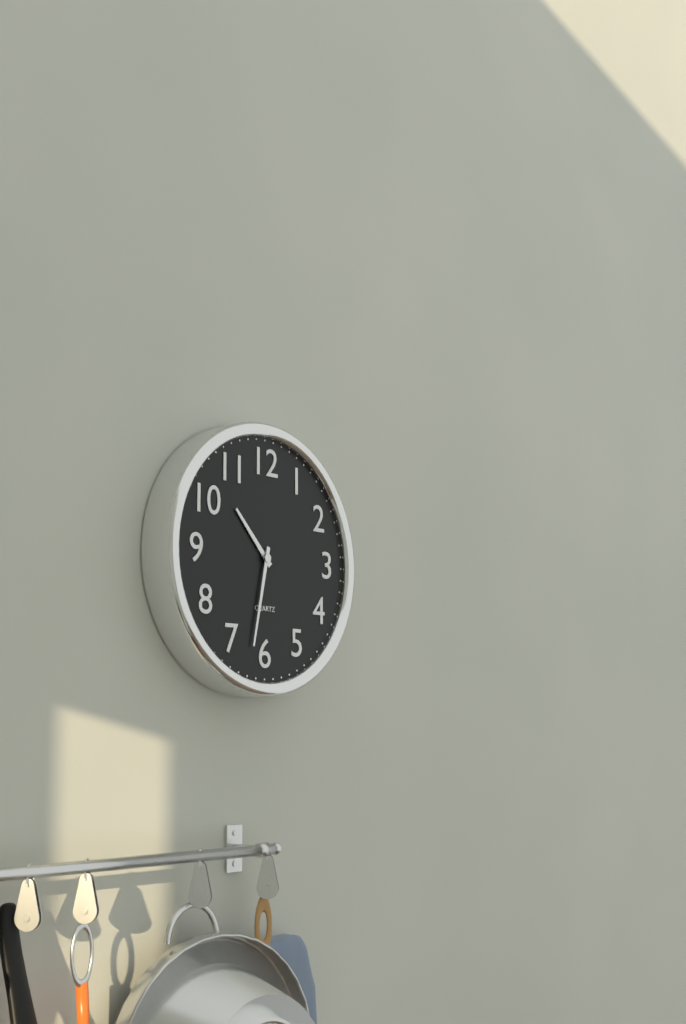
10:32
